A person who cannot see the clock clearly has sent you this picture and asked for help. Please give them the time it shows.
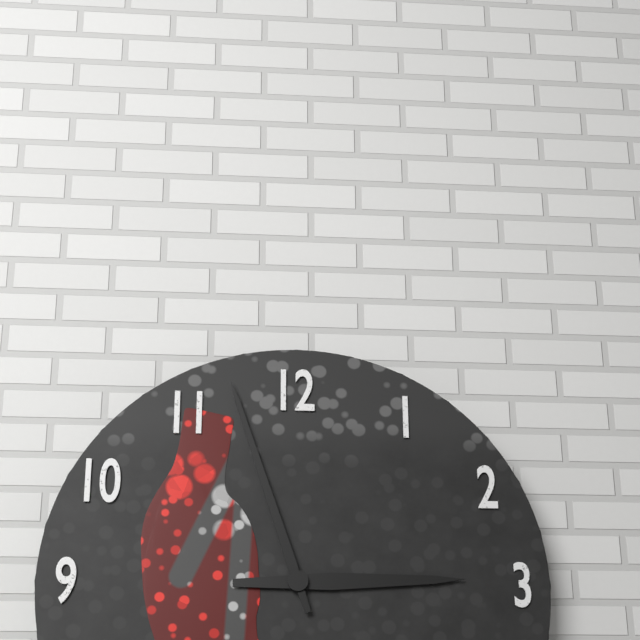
2:57
